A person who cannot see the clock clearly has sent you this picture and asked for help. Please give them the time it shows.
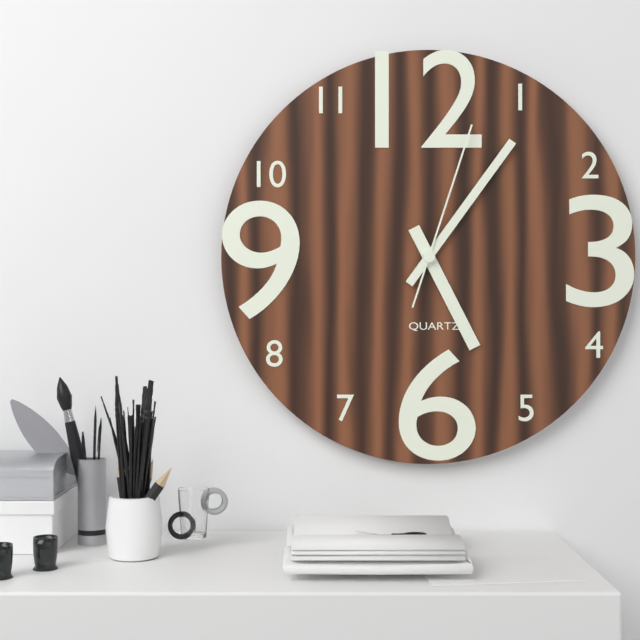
5:06:03
